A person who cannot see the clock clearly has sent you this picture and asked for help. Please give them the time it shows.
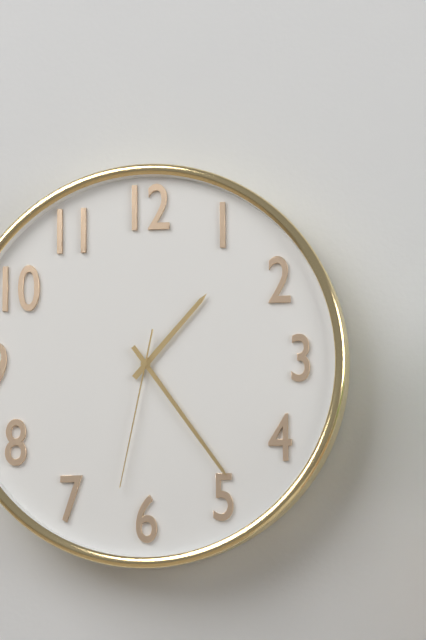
1:24:32
